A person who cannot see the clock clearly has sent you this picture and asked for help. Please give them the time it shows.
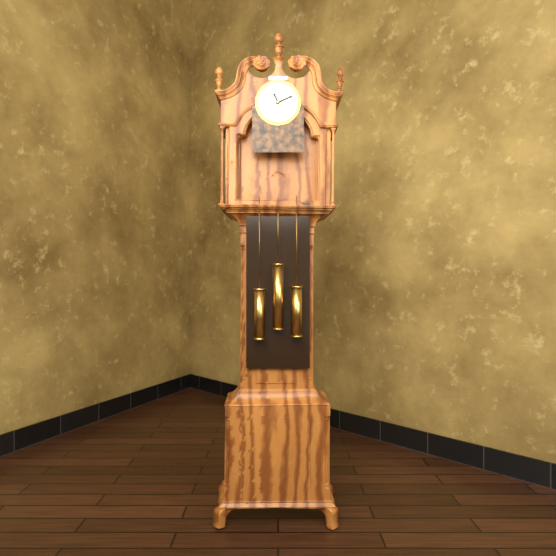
11:11
